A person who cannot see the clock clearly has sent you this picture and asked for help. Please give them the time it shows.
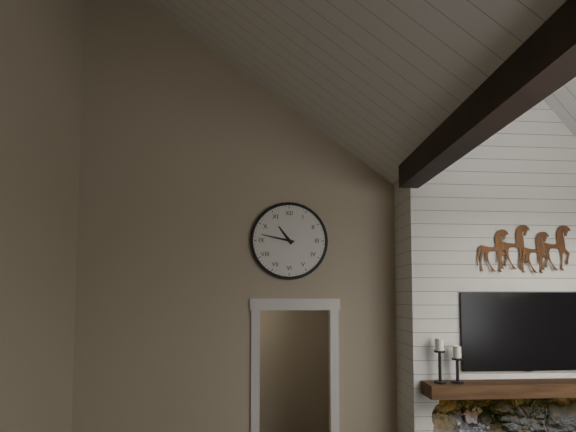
10:47
